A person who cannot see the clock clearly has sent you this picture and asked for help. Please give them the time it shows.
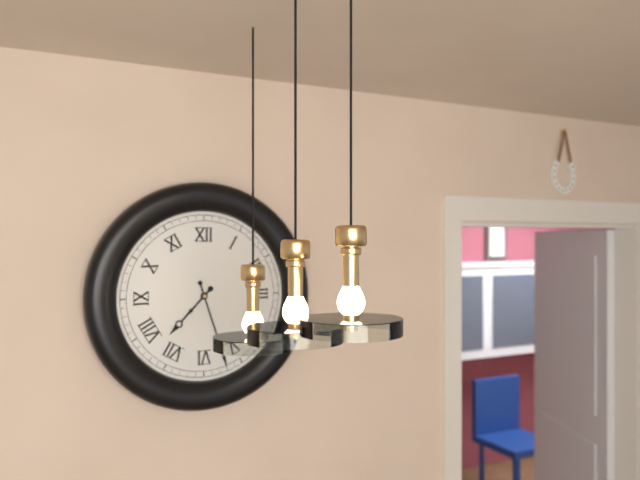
7:27
